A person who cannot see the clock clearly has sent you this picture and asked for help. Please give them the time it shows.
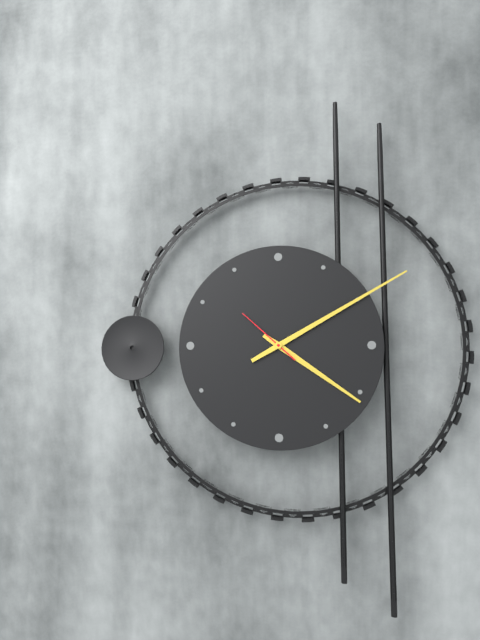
4:10:52
